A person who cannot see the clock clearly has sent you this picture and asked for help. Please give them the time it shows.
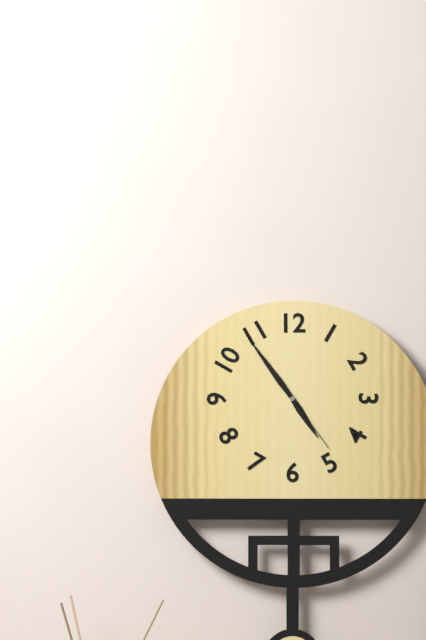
4:54:24
